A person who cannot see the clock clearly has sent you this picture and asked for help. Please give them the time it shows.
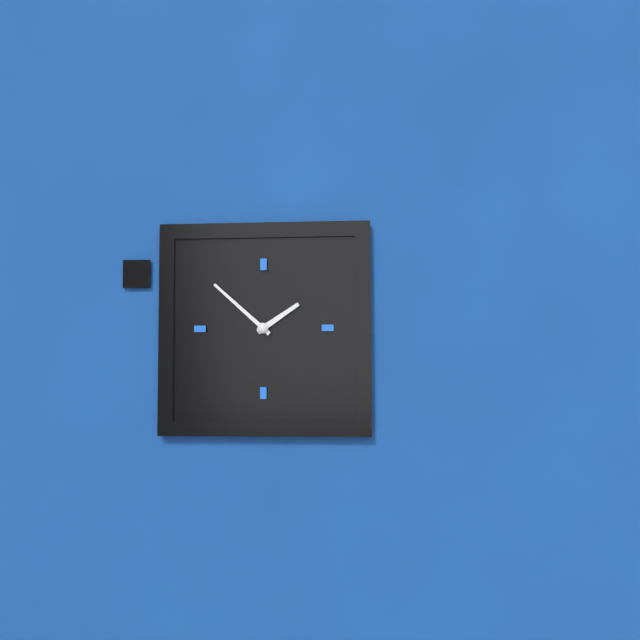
1:52
